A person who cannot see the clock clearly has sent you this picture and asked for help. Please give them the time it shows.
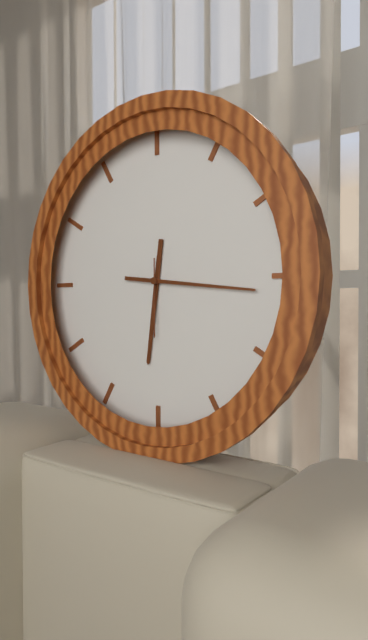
6:16:30
